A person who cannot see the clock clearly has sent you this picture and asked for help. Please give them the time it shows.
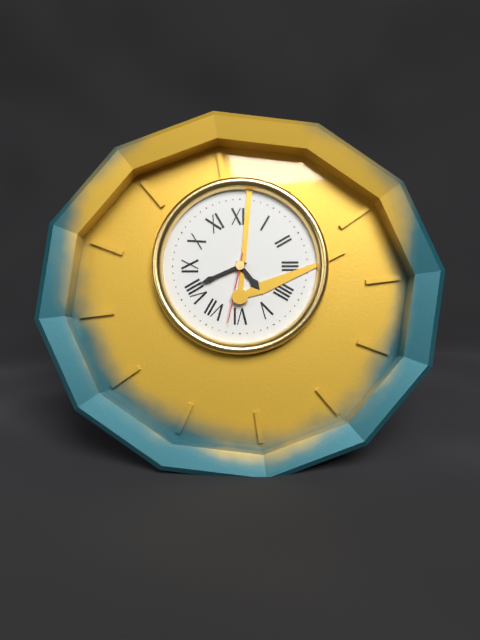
4:41:32
